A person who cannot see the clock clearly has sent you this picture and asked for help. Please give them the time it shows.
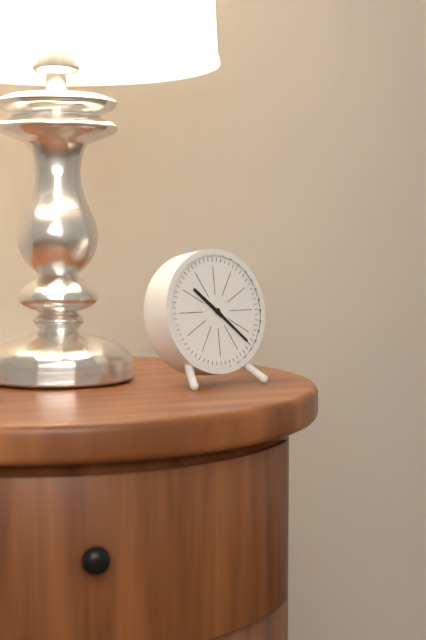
10:22
